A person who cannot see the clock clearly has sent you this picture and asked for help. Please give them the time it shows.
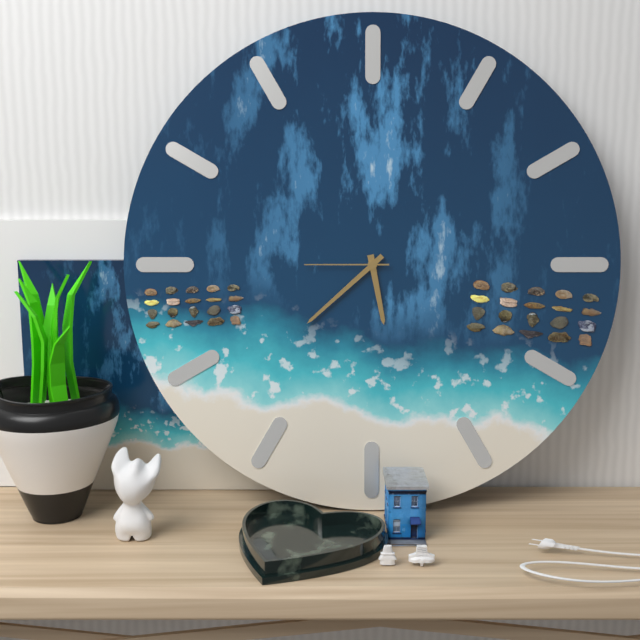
5:38:45
